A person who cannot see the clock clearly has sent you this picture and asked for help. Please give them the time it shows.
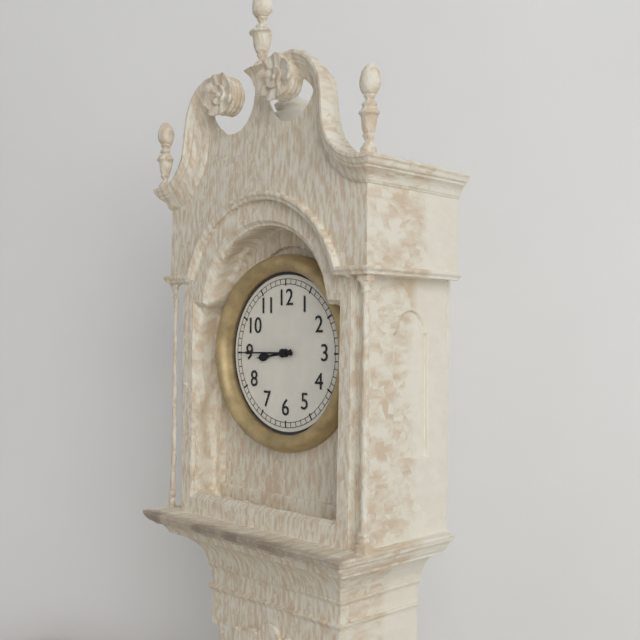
8:45
